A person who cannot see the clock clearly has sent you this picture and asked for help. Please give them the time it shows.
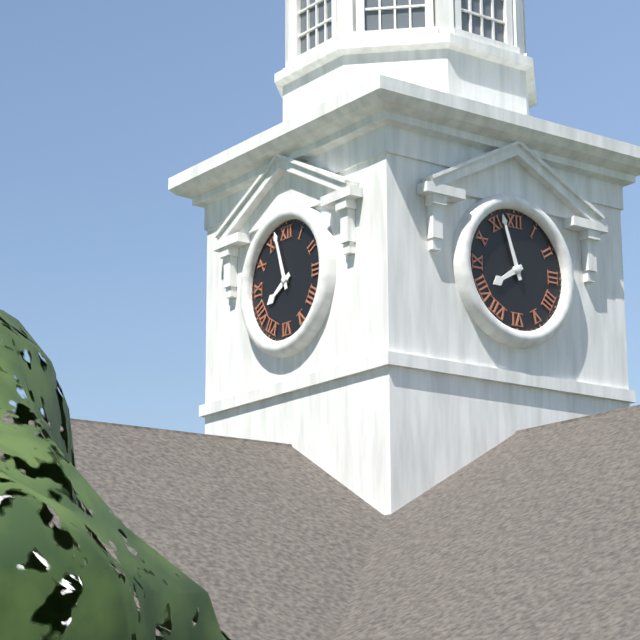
7:57
